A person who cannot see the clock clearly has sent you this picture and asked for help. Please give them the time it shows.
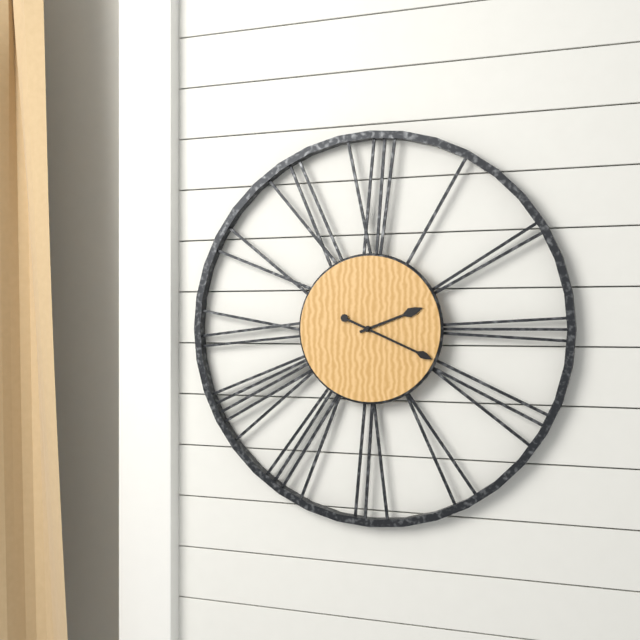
2:19
